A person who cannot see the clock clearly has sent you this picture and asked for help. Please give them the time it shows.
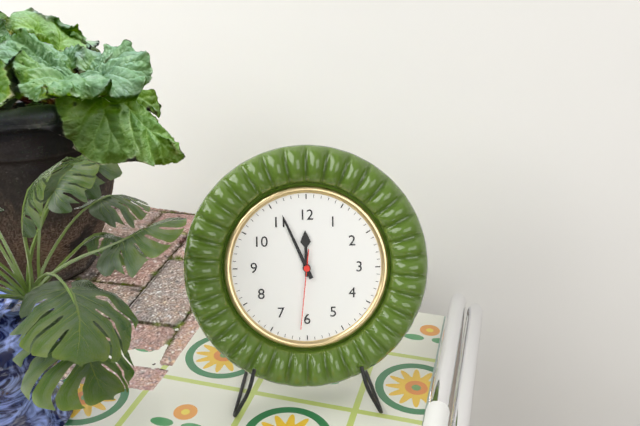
11:56:31
